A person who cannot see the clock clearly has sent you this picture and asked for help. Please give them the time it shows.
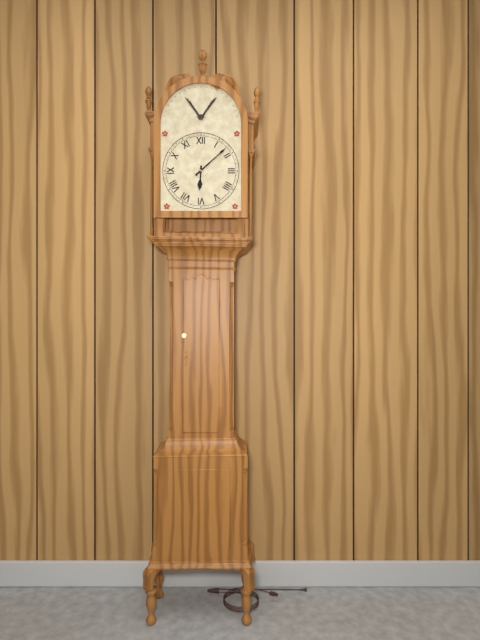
6:08
